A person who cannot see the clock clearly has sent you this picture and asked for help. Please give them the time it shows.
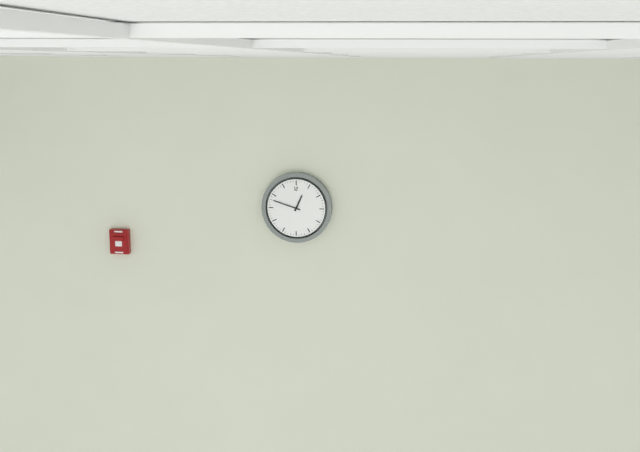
12:48
